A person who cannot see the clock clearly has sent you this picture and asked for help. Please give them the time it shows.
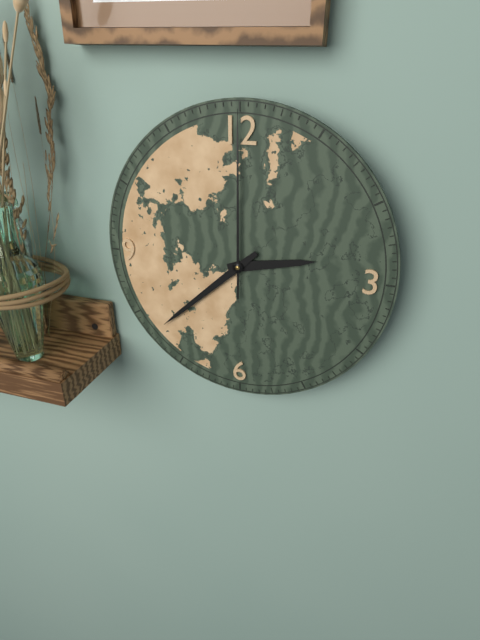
2:38:00
